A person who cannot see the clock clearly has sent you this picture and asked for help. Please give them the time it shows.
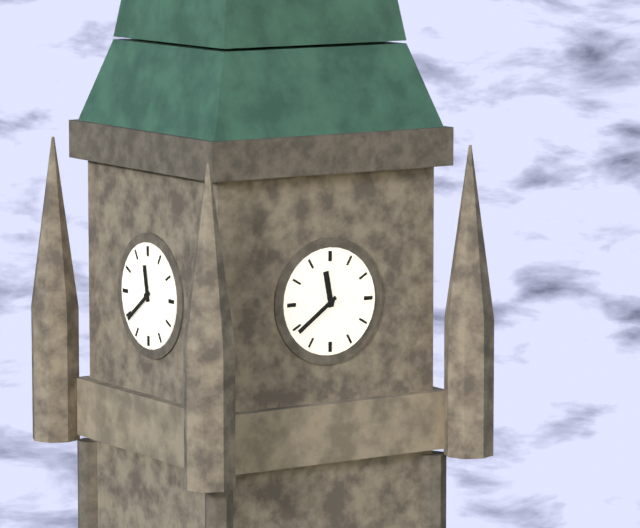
11:39
